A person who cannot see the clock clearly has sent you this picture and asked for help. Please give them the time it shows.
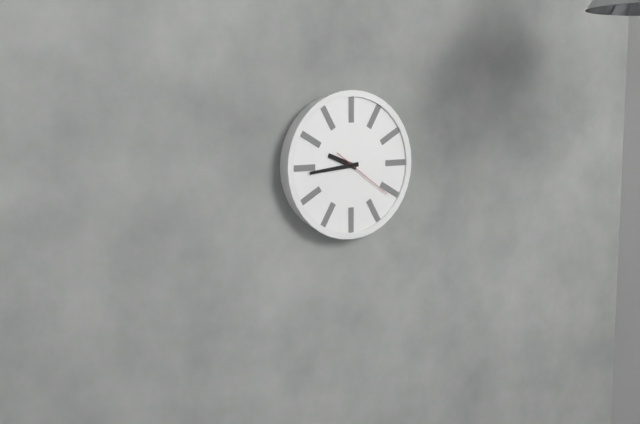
9:44:21
